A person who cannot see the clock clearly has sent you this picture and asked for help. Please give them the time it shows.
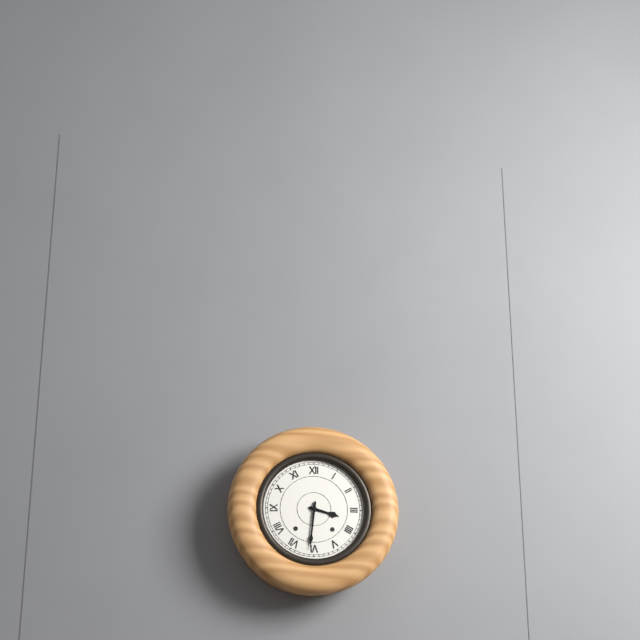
3:31
